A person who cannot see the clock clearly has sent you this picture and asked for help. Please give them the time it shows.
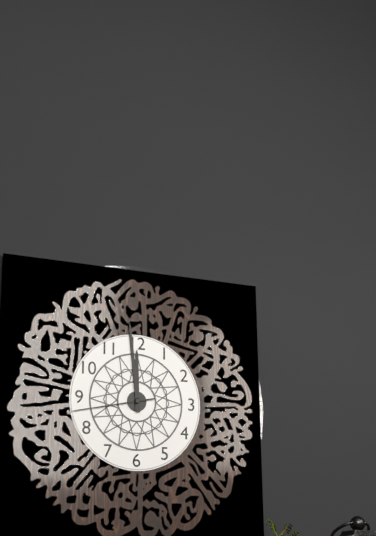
11:59:43
